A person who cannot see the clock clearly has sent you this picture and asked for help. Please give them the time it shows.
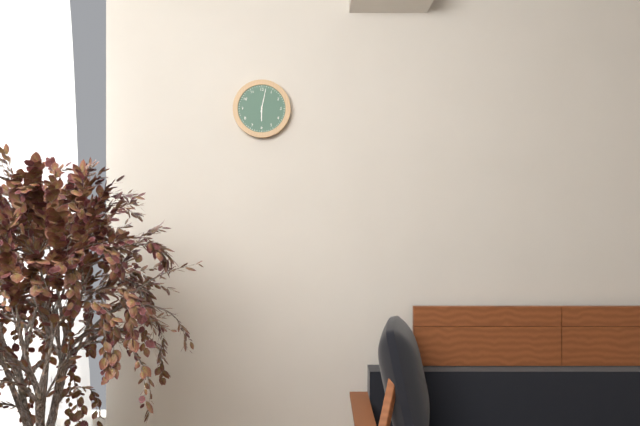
6:02
